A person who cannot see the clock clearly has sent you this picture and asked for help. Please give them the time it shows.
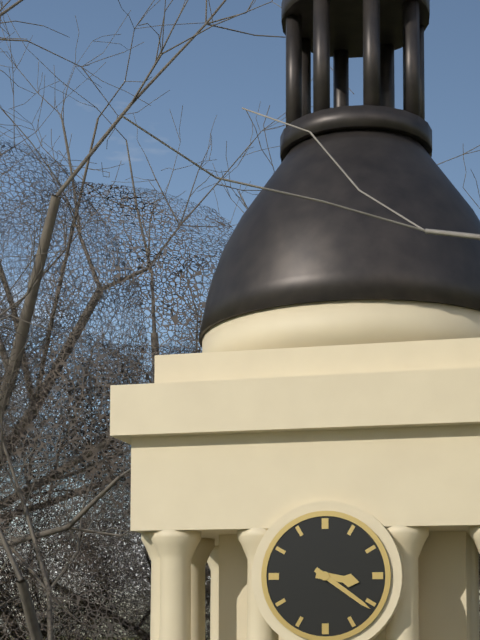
3:21
